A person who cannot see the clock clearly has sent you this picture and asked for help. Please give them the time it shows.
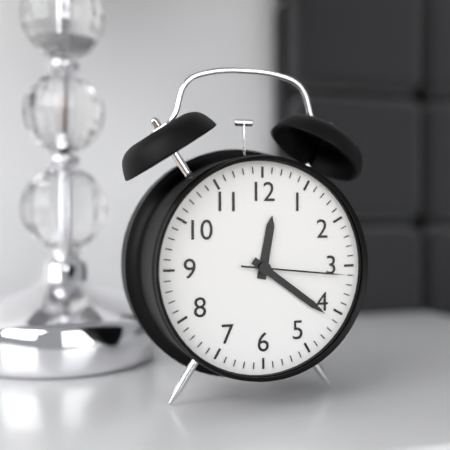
12:21:16
